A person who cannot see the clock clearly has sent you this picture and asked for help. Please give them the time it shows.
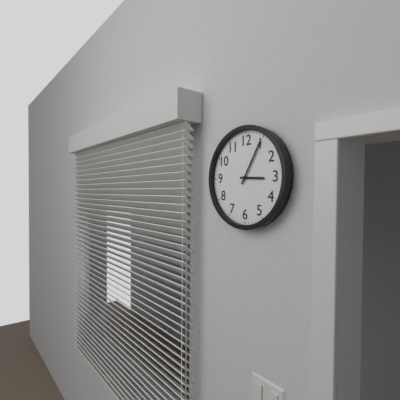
3:05
